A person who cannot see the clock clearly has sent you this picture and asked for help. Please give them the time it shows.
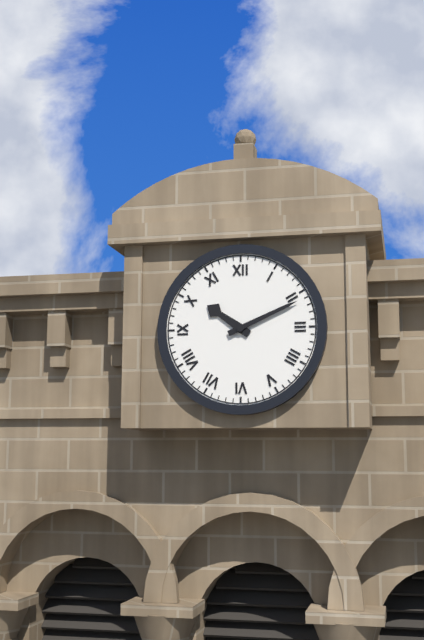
10:11
